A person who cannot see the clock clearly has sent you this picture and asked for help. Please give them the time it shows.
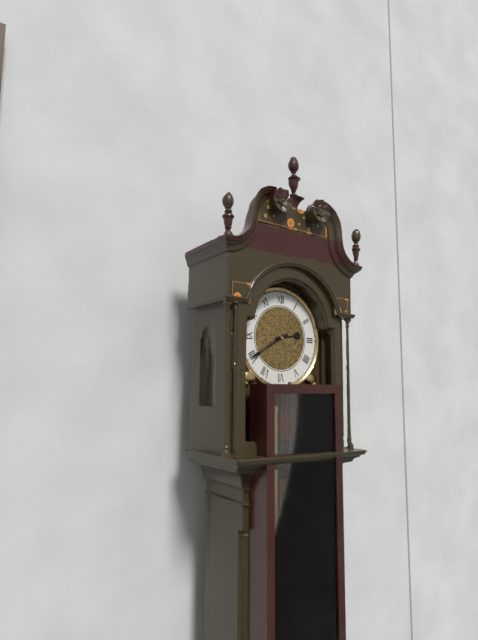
2:40
